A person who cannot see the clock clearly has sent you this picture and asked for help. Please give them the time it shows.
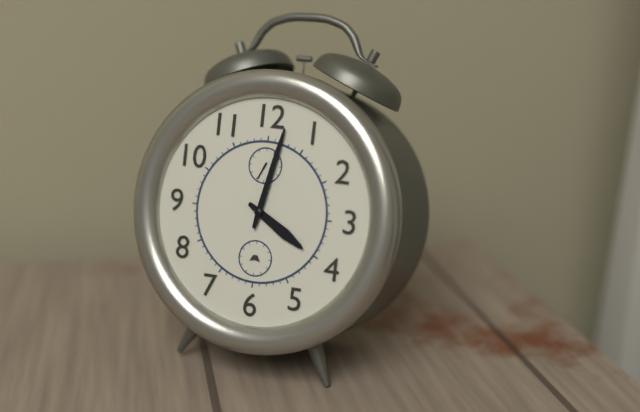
4:02
